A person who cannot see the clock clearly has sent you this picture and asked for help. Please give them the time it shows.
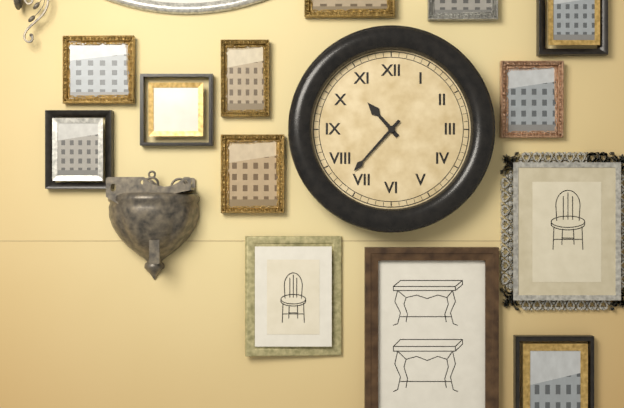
10:37
